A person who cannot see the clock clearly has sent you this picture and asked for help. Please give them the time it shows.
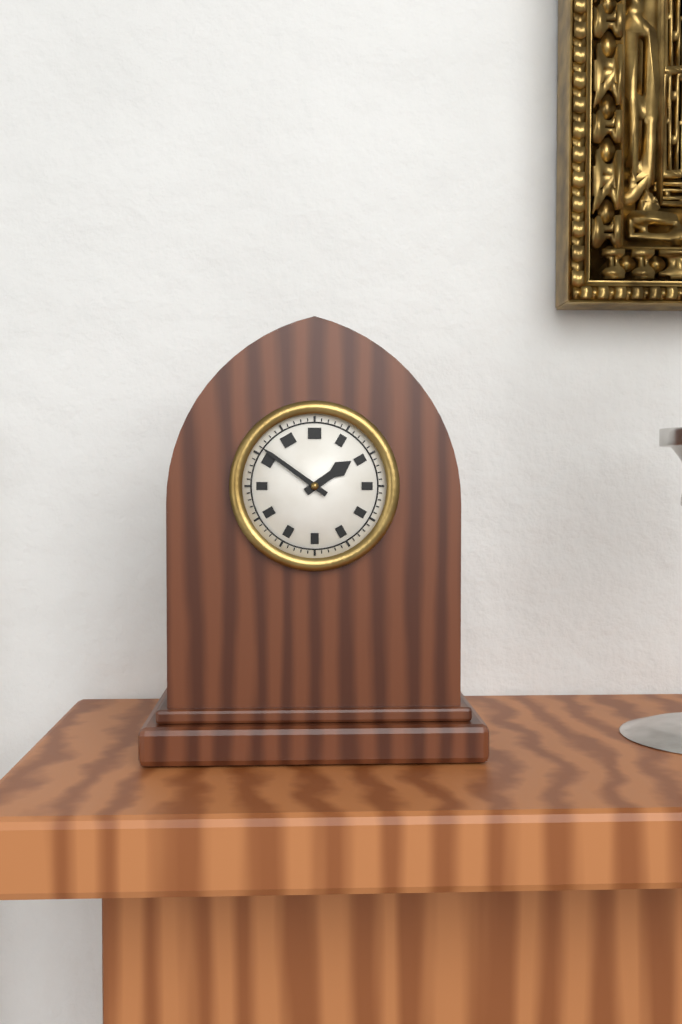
1:51
